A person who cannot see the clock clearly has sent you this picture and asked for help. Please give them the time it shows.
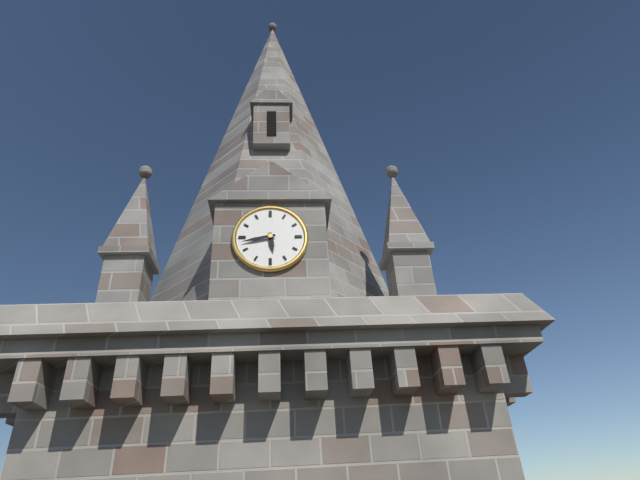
5:43
